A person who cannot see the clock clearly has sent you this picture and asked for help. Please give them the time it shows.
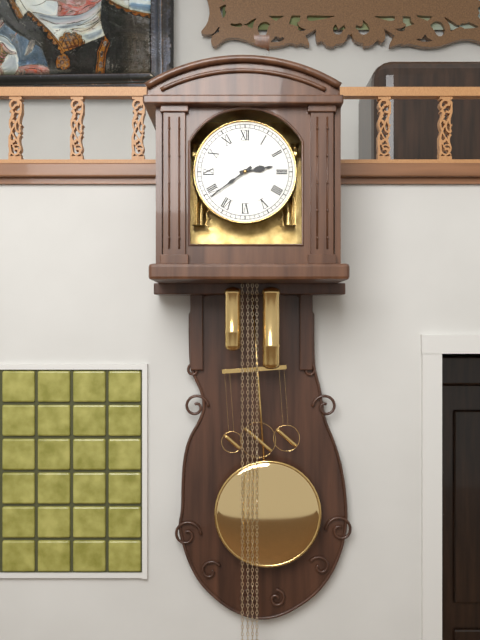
2:39
